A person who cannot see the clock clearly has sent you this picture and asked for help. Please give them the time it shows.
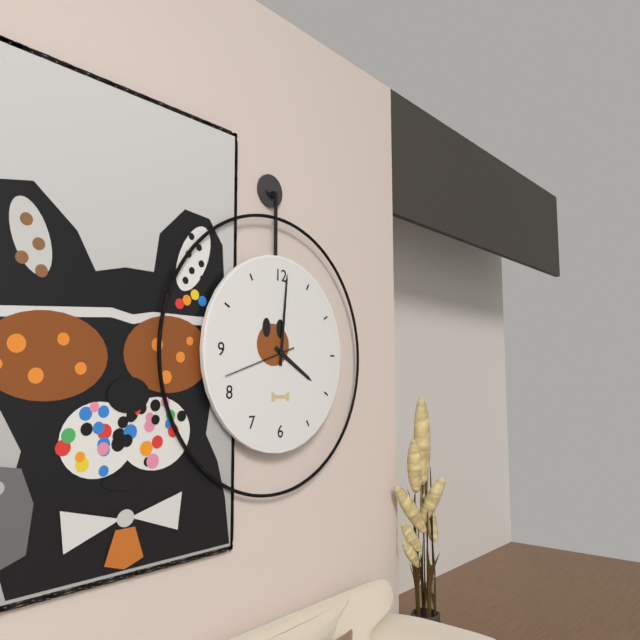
4:01:42
